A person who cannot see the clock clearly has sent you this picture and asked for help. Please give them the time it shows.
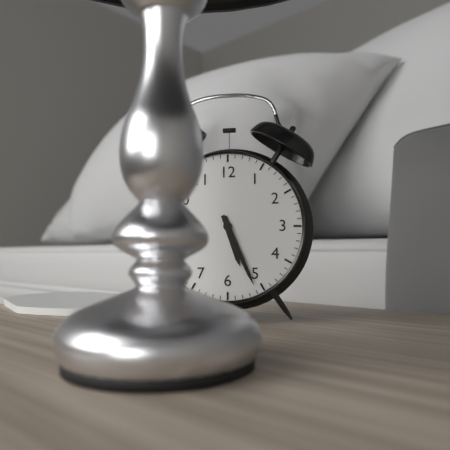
5:26
